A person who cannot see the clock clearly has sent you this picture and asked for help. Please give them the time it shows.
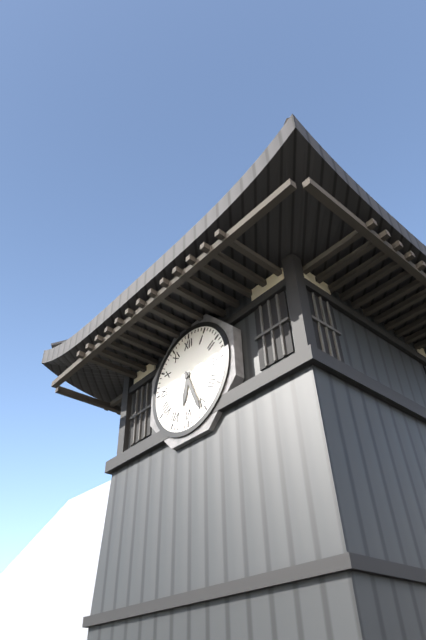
6:26
